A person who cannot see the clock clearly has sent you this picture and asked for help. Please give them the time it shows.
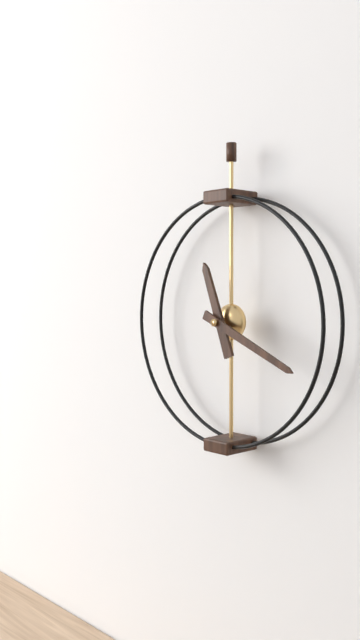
11:19
